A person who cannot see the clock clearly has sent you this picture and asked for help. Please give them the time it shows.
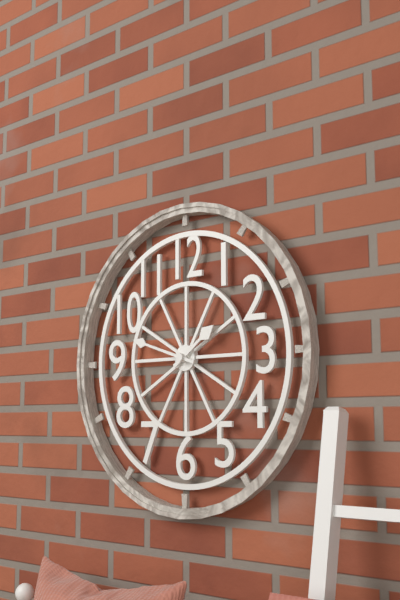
1:48
